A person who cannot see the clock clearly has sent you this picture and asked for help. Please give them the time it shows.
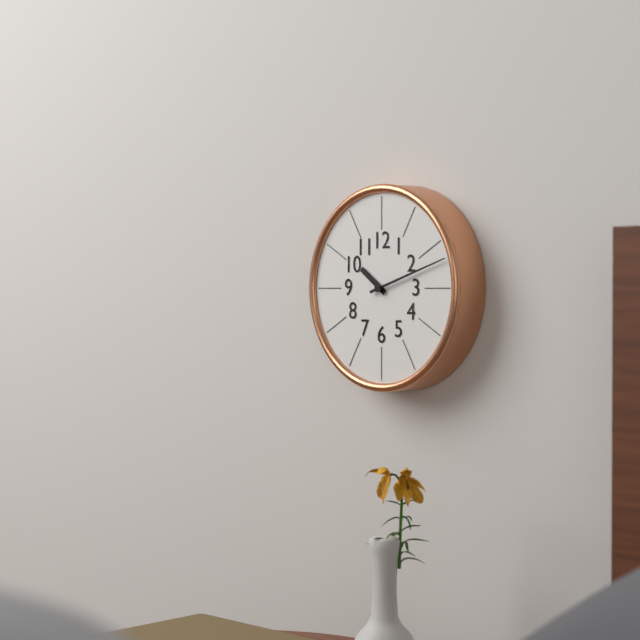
10:12
